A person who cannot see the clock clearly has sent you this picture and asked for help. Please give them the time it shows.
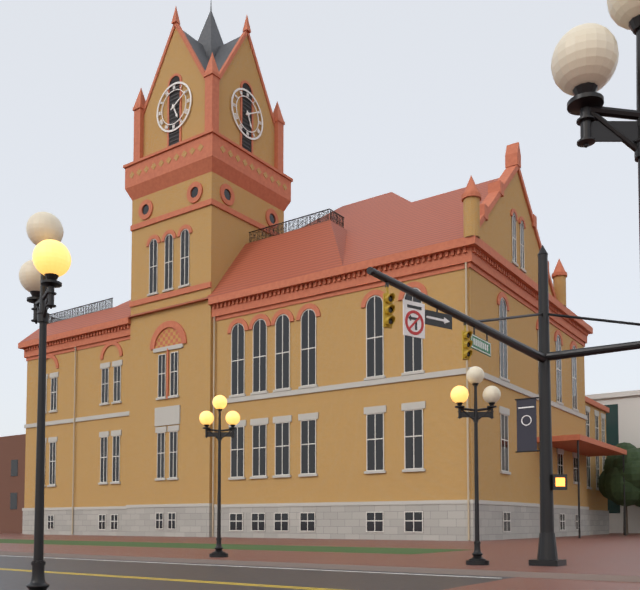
5:10
